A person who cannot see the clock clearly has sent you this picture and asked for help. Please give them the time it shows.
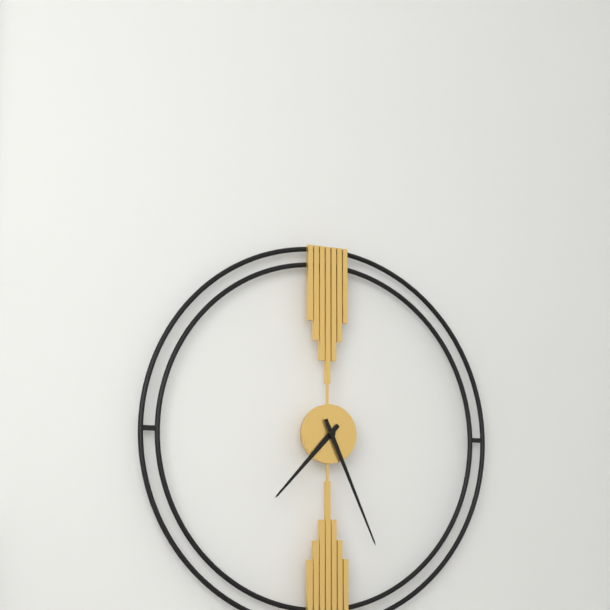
7:26
